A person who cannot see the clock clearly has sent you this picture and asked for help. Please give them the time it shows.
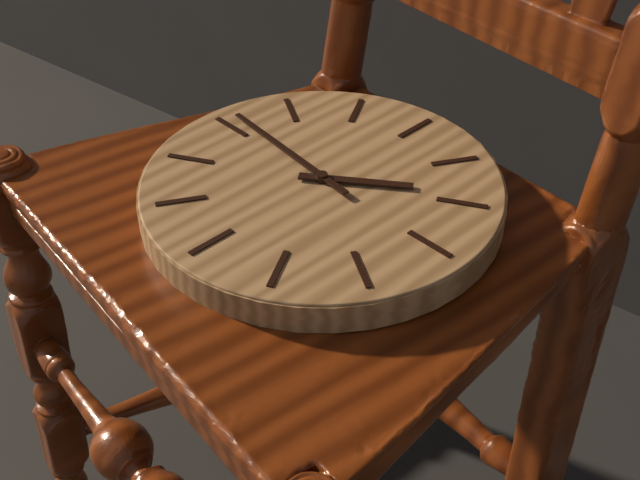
1:46
